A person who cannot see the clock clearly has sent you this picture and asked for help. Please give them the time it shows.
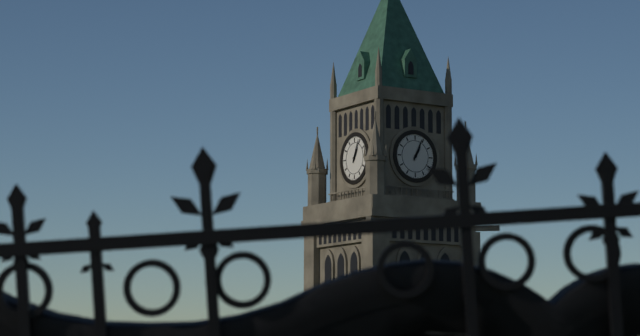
1:04
